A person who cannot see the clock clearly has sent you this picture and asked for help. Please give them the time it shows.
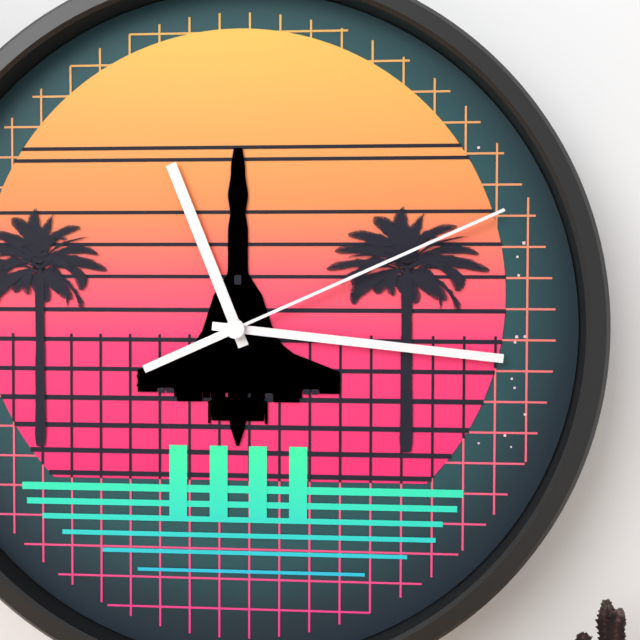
11:16:11
